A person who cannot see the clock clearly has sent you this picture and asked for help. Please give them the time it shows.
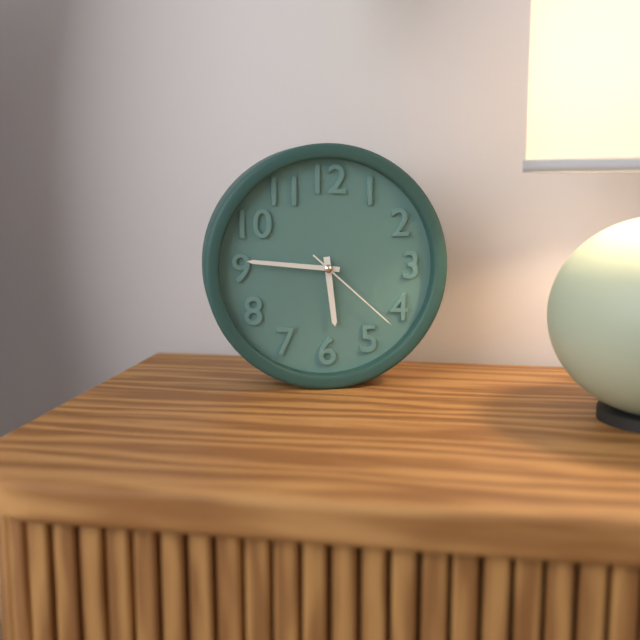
5:46:22
